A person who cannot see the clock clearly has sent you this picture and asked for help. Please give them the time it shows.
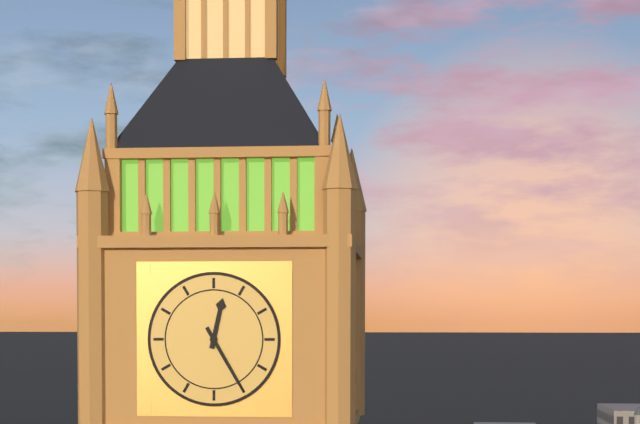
12:25
